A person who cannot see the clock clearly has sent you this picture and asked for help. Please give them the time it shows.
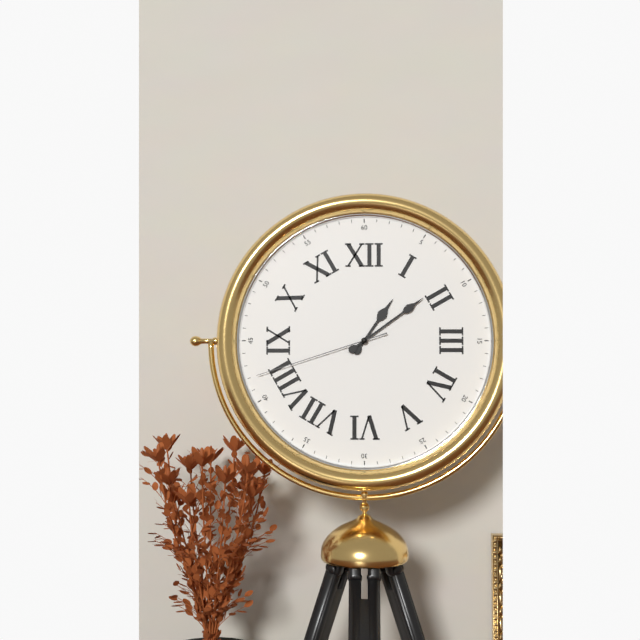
1:09:42
